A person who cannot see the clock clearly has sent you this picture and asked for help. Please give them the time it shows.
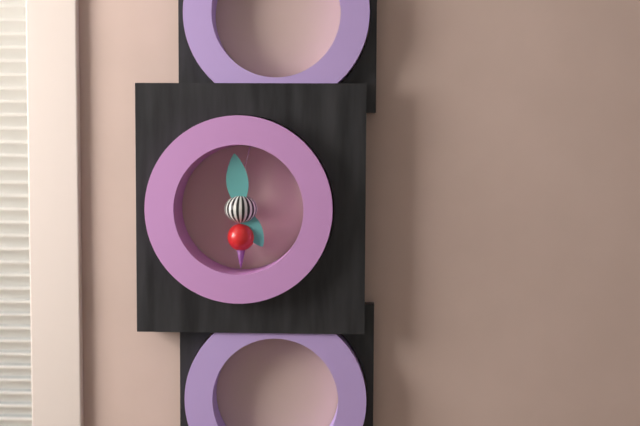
4:59
